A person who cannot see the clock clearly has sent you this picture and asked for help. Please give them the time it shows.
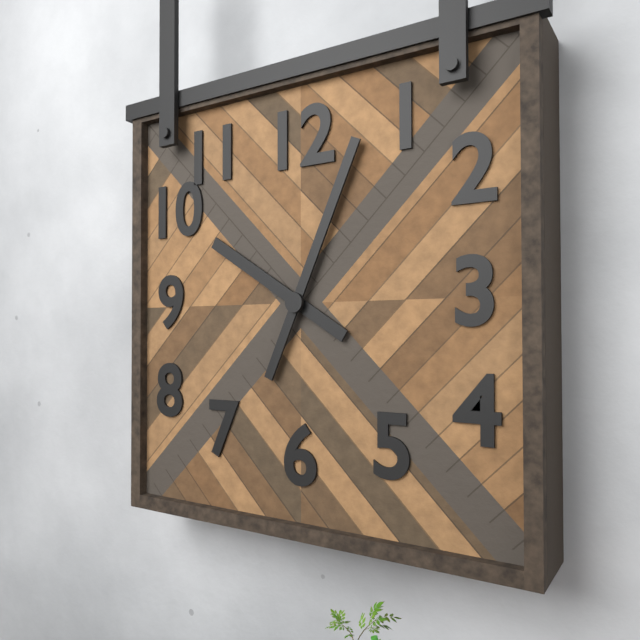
10:04
